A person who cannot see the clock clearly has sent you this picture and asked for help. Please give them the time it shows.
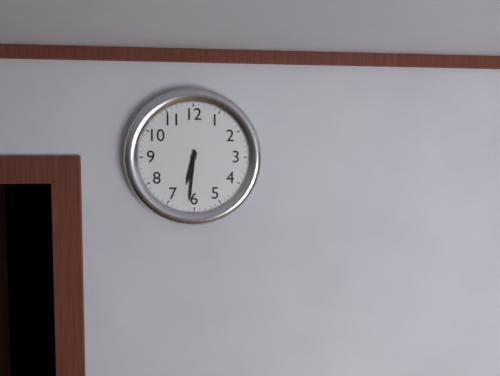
6:31
